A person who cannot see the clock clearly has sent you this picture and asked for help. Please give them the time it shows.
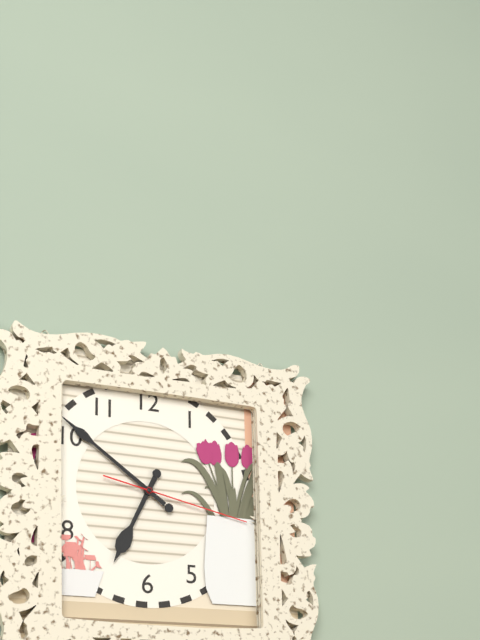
6:51:17
